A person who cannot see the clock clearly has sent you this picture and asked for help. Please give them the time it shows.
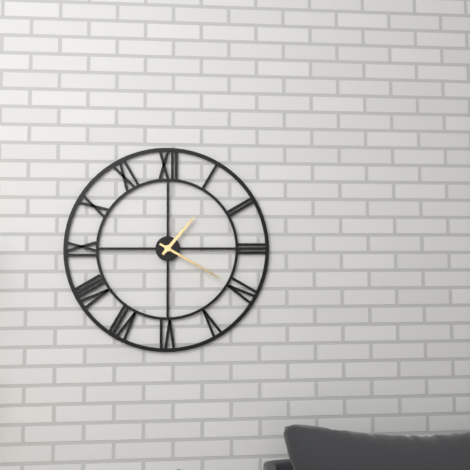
1:20
